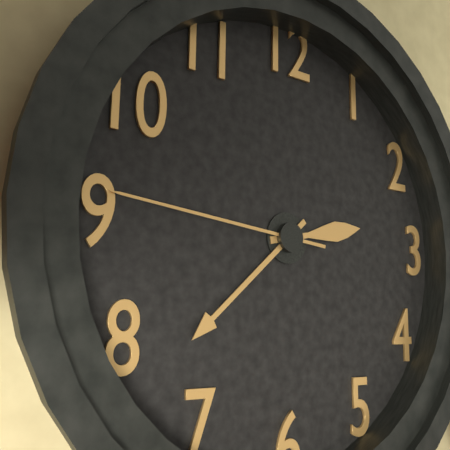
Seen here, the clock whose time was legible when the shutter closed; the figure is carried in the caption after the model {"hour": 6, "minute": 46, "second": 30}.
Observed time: {"hour": 2, "minute": 38, "second": 46}
